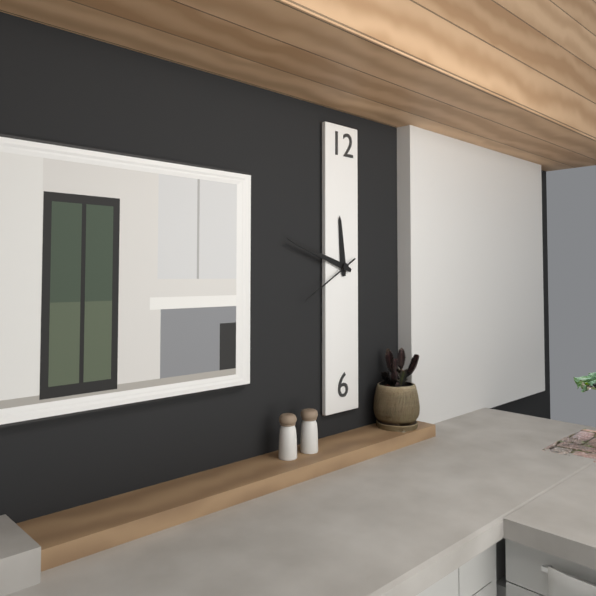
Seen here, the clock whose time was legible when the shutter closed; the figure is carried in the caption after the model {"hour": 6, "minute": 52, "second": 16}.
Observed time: {"hour": 11, "minute": 48, "second": 40}
